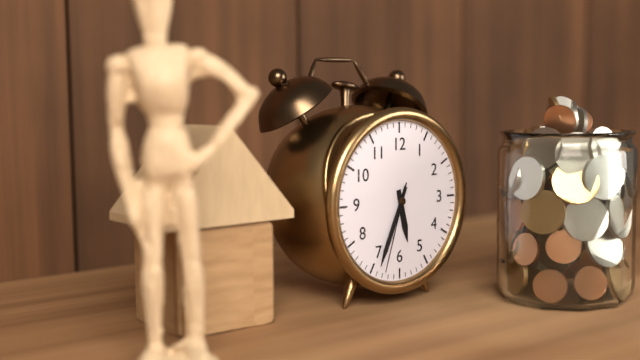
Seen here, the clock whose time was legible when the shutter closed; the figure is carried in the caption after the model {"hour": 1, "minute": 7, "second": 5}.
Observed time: {"hour": 5, "minute": 34, "second": 33}
